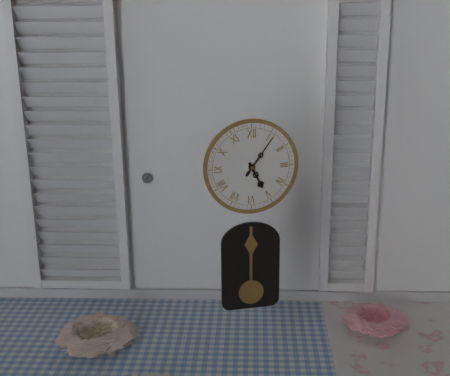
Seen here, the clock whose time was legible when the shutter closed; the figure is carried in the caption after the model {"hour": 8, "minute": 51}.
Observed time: {"hour": 5, "minute": 6}
